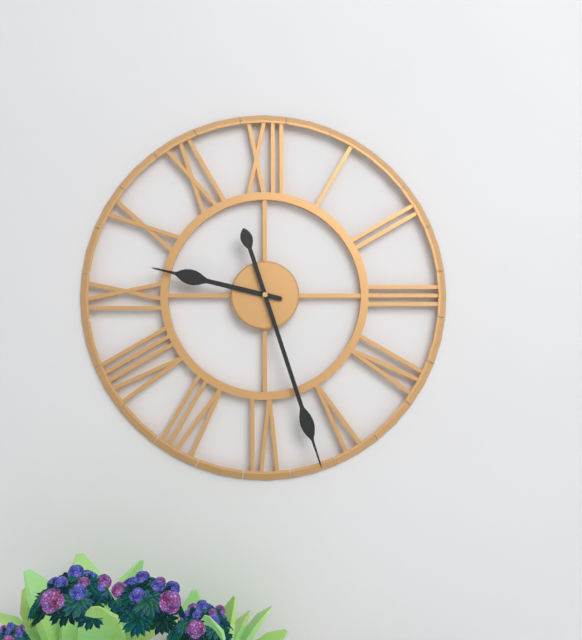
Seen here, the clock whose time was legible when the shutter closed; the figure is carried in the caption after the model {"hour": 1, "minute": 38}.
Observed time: {"hour": 9, "minute": 27}
